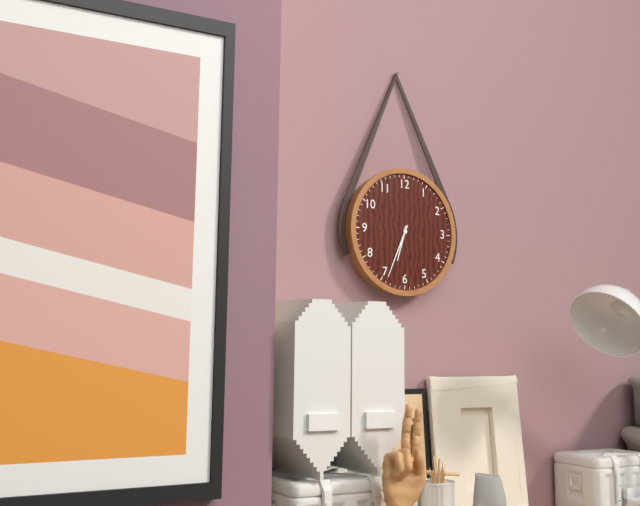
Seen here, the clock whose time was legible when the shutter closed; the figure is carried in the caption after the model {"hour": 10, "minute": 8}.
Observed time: {"hour": 6, "minute": 34}
